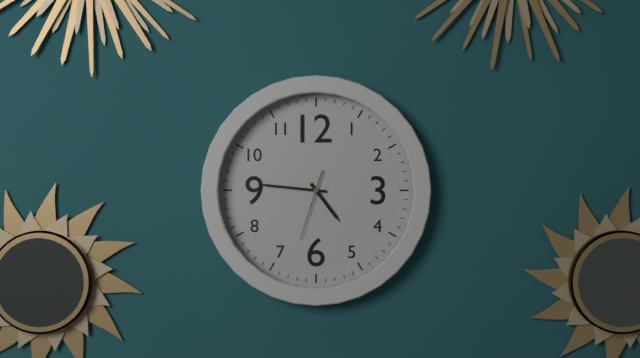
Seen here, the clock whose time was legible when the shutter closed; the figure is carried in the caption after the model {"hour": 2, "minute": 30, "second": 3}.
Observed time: {"hour": 4, "minute": 46, "second": 33}
